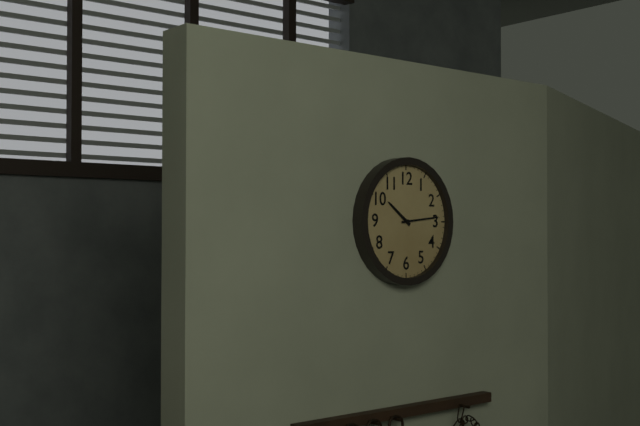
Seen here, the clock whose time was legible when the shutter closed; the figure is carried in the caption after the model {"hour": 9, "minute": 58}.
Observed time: {"hour": 10, "minute": 14}
